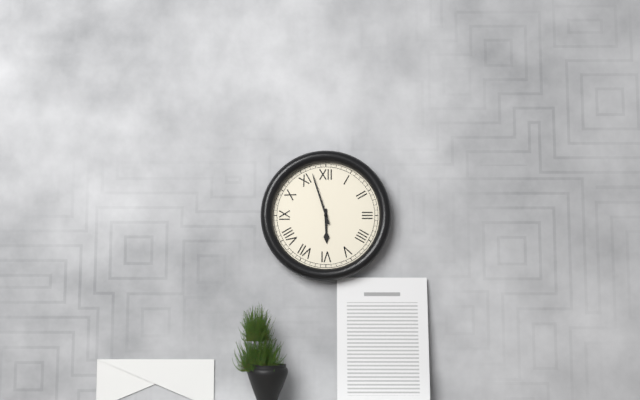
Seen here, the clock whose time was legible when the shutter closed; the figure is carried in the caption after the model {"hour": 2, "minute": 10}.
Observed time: {"hour": 5, "minute": 57}
